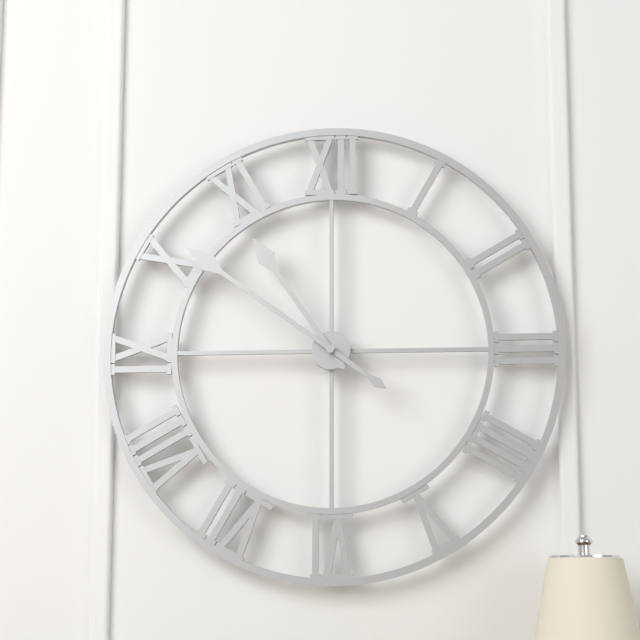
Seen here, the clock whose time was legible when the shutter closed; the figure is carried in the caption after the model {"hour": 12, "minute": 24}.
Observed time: {"hour": 10, "minute": 51}
